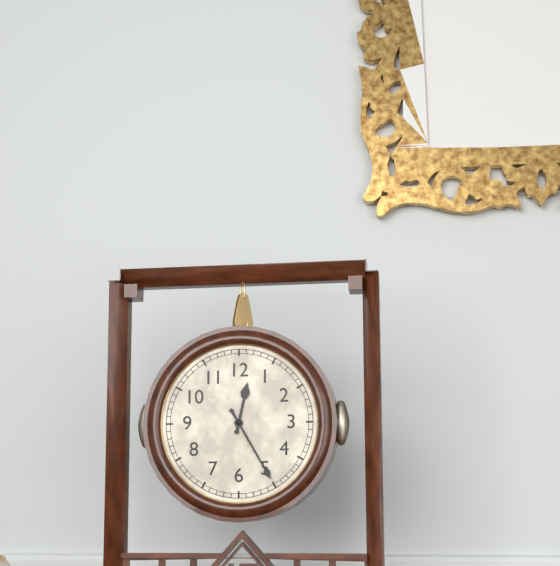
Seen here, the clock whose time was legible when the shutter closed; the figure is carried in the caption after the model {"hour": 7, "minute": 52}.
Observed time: {"hour": 12, "minute": 25}
